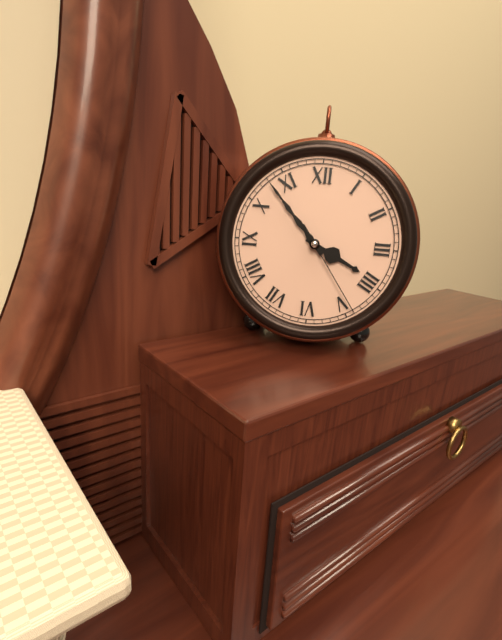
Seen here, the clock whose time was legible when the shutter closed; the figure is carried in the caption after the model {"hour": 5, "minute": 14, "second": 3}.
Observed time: {"hour": 3, "minute": 53, "second": 24}
